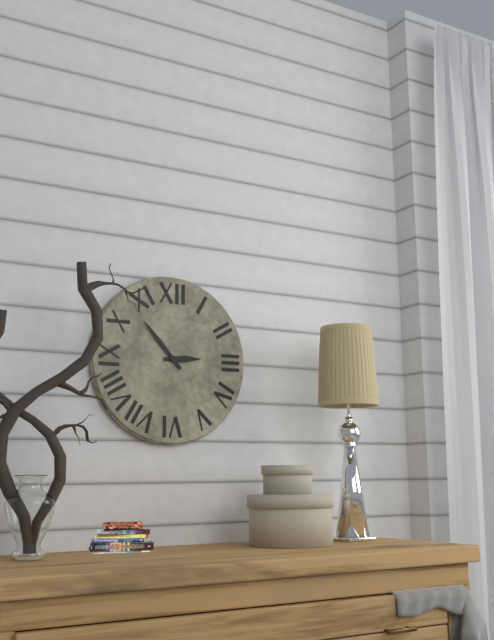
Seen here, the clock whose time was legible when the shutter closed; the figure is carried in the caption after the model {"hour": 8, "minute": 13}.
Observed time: {"hour": 2, "minute": 53}
